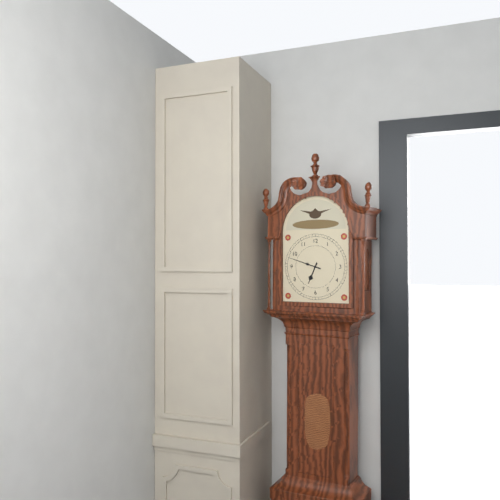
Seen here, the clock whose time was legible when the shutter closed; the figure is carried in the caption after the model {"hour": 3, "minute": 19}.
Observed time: {"hour": 6, "minute": 48}
